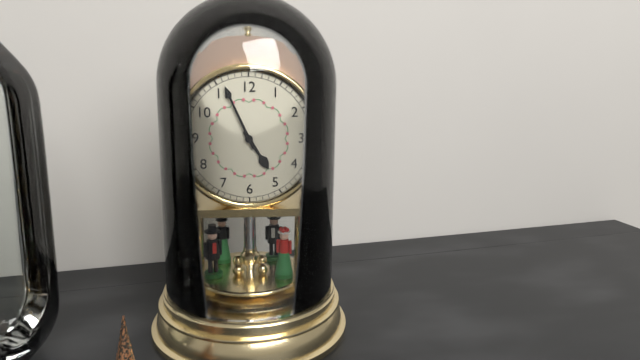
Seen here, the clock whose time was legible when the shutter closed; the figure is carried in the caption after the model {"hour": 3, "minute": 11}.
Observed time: {"hour": 4, "minute": 56}
